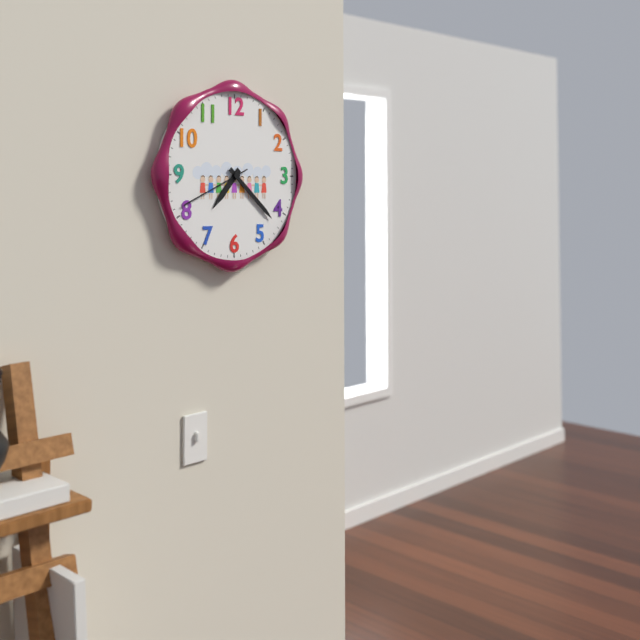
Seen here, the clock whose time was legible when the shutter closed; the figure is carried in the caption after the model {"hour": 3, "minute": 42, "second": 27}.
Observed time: {"hour": 7, "minute": 22, "second": 41}
